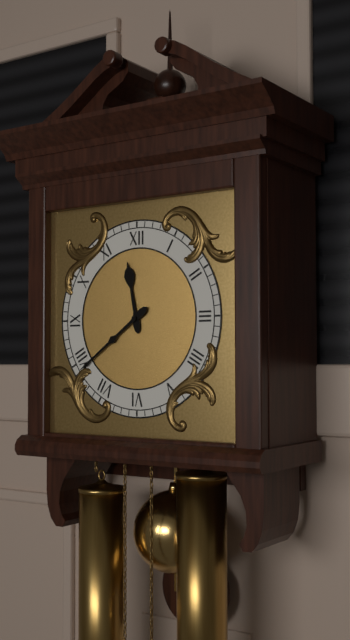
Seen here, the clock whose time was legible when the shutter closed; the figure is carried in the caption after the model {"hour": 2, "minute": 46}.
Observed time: {"hour": 11, "minute": 39}
